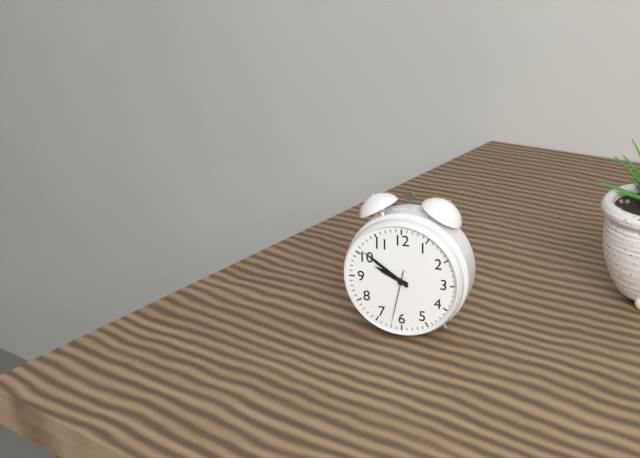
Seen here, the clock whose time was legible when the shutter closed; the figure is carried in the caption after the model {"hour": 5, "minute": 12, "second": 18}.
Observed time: {"hour": 9, "minute": 51, "second": 32}
